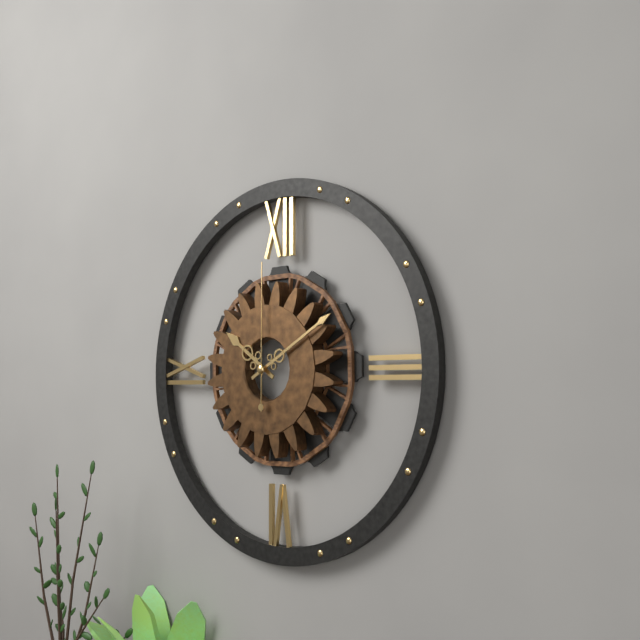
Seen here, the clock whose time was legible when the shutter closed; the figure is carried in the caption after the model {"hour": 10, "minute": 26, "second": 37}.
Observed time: {"hour": 10, "minute": 10, "second": 0}
